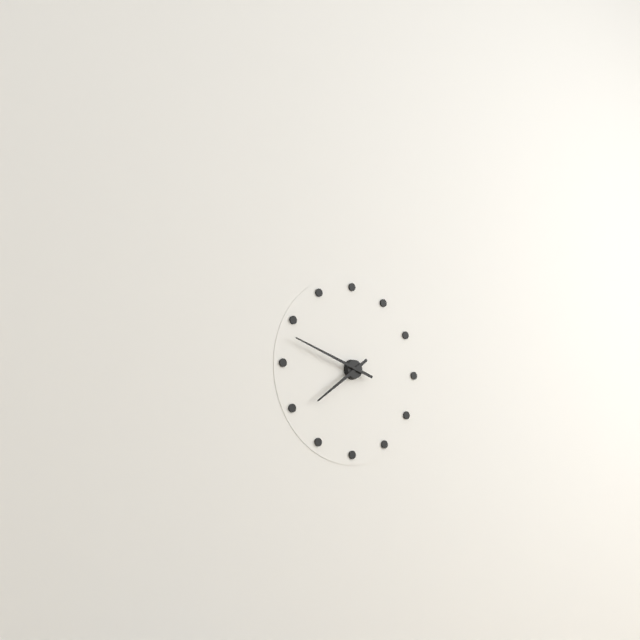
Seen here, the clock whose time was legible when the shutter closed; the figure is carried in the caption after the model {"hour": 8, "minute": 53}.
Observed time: {"hour": 7, "minute": 48}
